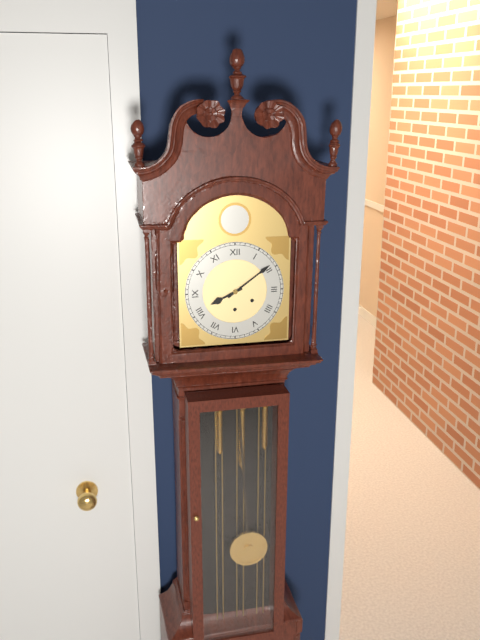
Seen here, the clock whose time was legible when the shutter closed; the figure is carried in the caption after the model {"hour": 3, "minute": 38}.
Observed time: {"hour": 8, "minute": 9}
